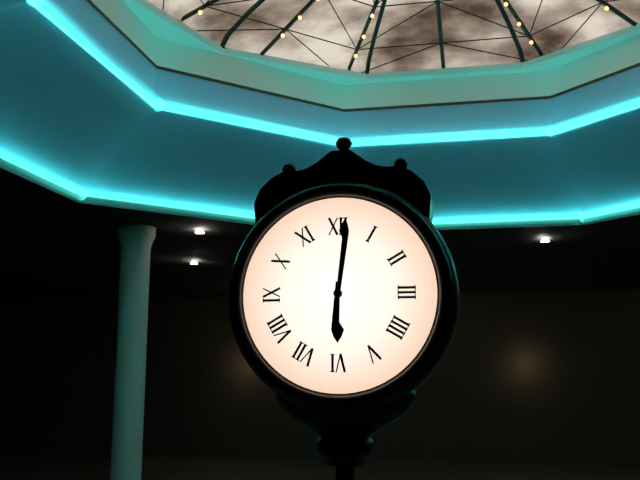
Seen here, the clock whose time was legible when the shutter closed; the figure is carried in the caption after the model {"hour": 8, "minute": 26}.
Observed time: {"hour": 6, "minute": 1}
